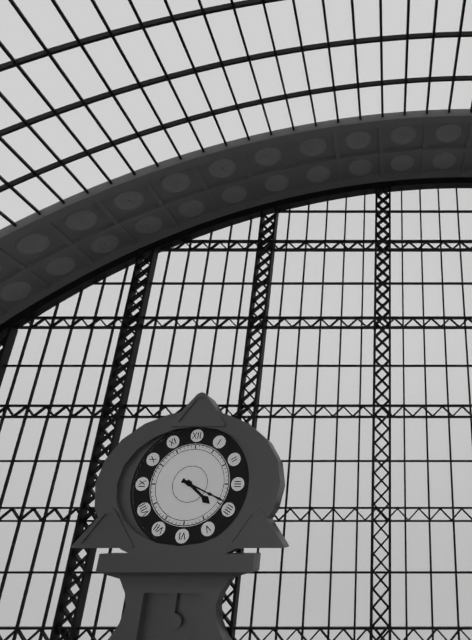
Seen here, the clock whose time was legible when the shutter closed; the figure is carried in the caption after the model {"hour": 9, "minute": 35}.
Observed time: {"hour": 4, "minute": 19}
